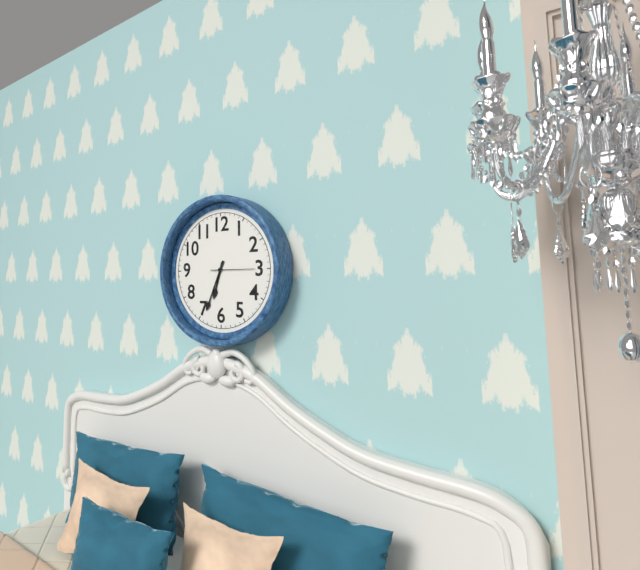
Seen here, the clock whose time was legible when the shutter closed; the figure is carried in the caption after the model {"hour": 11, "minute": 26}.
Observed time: {"hour": 6, "minute": 34}
